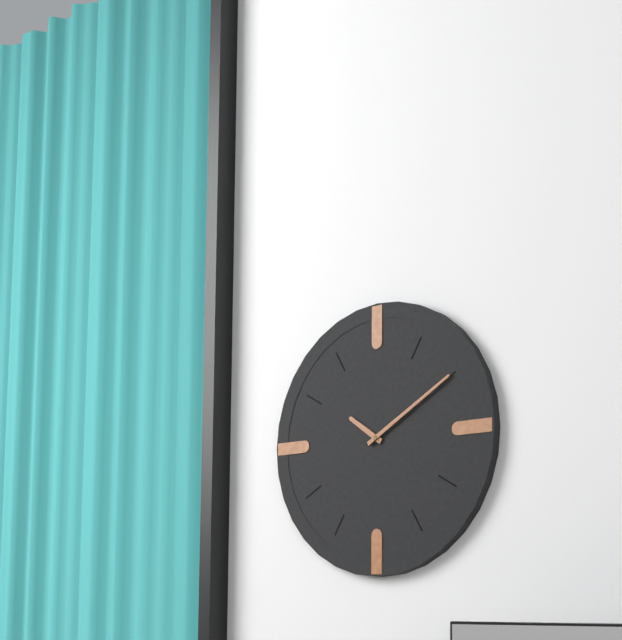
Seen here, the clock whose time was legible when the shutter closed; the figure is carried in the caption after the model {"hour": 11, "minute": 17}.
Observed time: {"hour": 10, "minute": 10}
